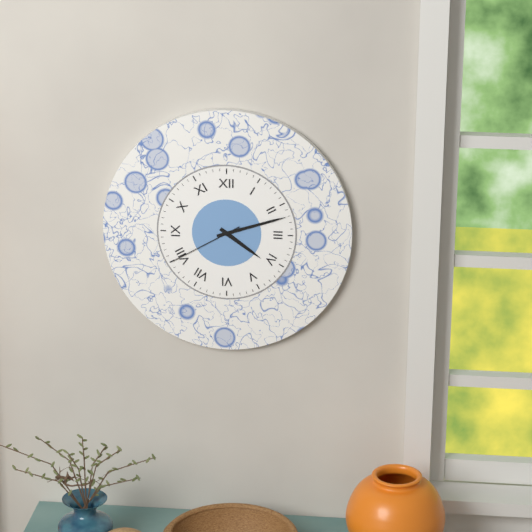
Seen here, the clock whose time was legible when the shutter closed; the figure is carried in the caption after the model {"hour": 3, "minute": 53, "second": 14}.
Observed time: {"hour": 4, "minute": 12, "second": 40}
